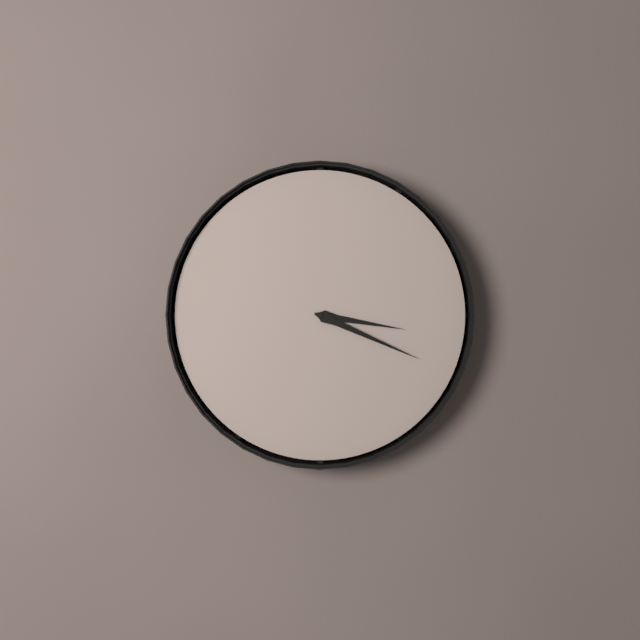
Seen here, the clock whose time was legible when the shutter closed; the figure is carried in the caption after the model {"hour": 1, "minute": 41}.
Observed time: {"hour": 3, "minute": 19}
